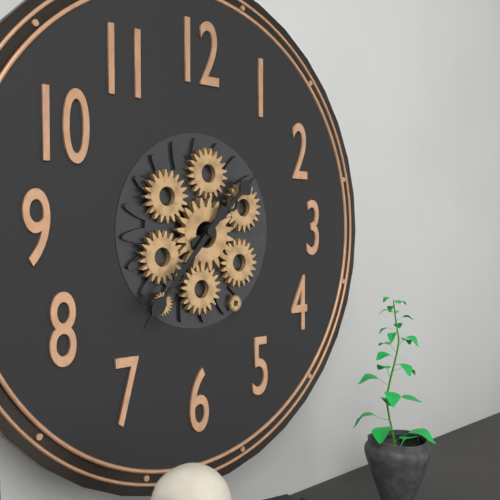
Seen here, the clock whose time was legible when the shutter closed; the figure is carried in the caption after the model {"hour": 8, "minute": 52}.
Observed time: {"hour": 1, "minute": 37}
